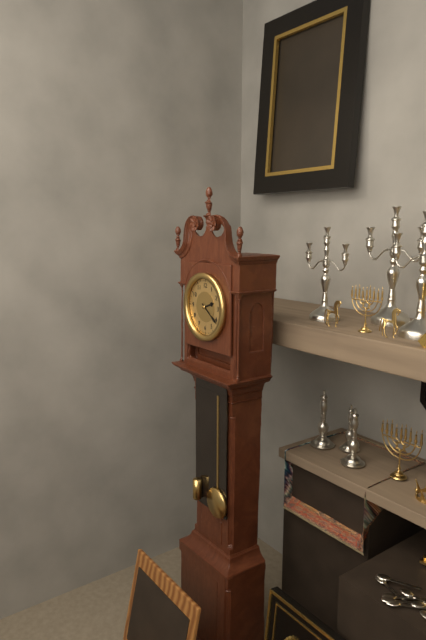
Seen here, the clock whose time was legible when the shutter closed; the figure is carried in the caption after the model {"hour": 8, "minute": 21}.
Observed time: {"hour": 2, "minute": 21}
